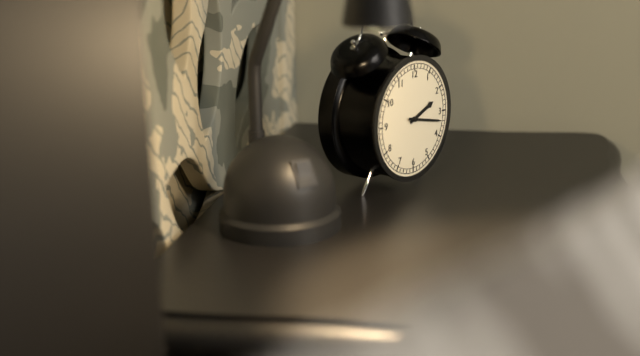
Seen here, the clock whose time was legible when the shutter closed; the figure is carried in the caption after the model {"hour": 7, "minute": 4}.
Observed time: {"hour": 2, "minute": 17}
